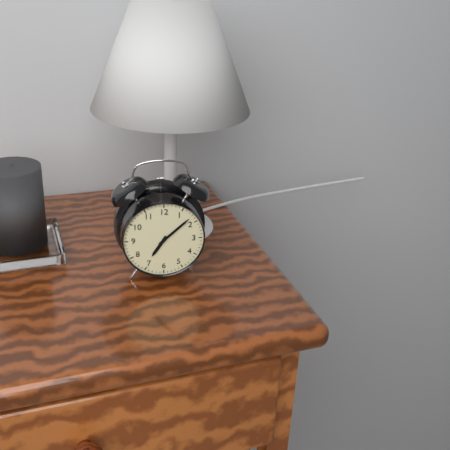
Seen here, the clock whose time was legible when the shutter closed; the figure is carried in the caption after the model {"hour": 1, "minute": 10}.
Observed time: {"hour": 7, "minute": 8}
